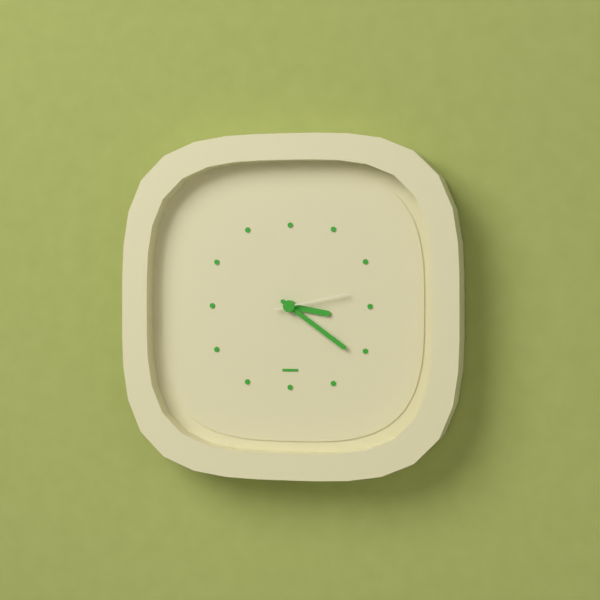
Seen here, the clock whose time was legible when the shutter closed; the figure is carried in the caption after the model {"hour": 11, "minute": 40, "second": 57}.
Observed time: {"hour": 3, "minute": 21, "second": 13}
